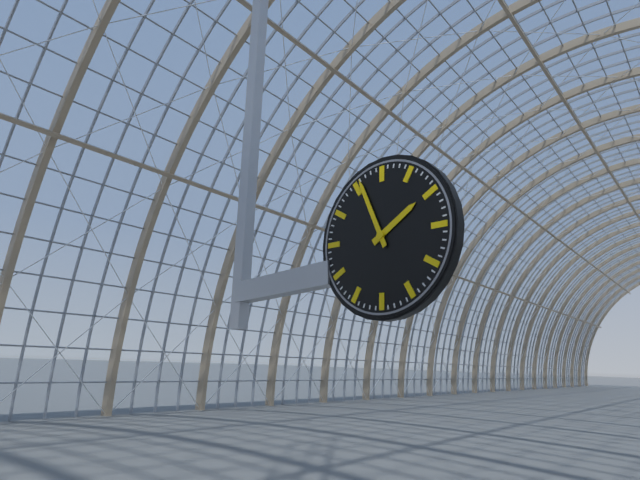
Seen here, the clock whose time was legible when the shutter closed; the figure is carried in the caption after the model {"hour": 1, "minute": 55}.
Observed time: {"hour": 1, "minute": 56}
